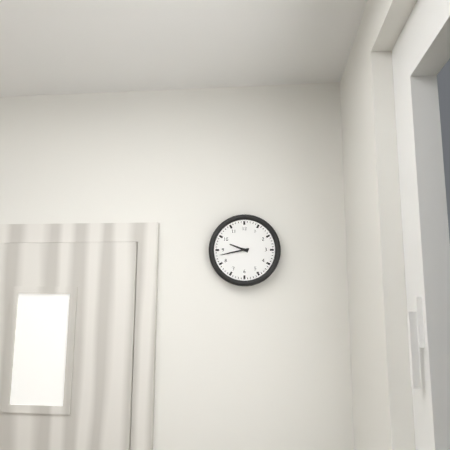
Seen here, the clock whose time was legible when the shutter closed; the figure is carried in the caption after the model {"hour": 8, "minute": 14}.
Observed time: {"hour": 9, "minute": 43}
